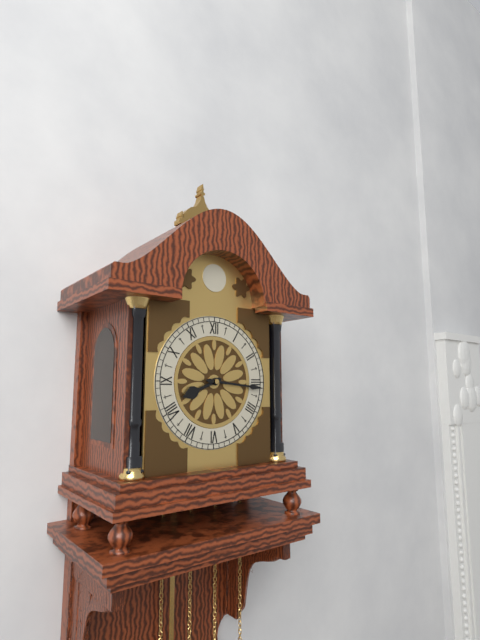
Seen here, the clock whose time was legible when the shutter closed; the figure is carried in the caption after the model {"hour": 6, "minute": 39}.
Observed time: {"hour": 8, "minute": 16}
